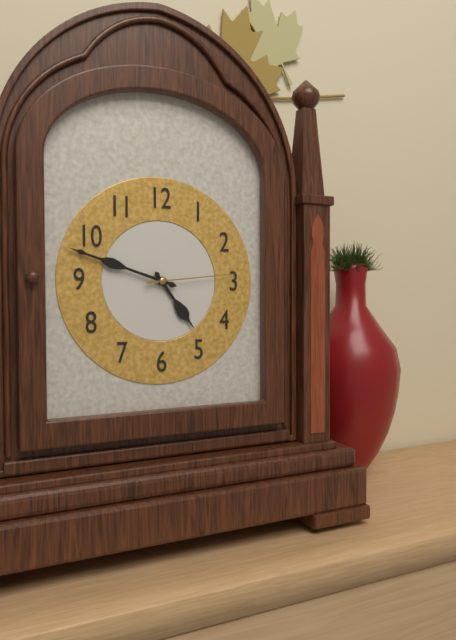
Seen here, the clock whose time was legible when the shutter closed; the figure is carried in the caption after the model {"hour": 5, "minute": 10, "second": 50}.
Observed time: {"hour": 4, "minute": 48, "second": 14}
